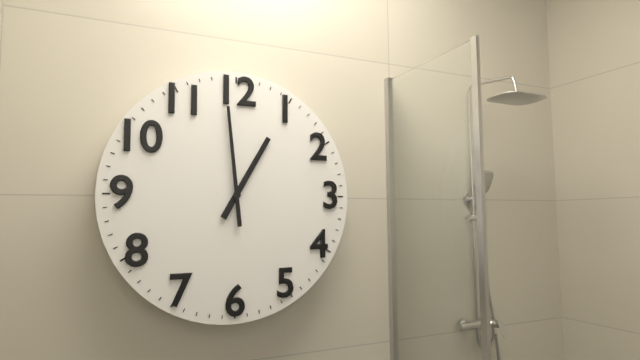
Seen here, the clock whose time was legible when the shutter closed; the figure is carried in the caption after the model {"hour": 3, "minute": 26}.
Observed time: {"hour": 12, "minute": 59}
